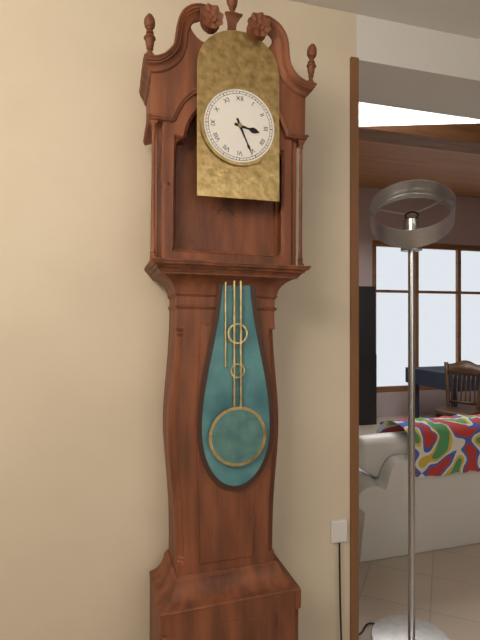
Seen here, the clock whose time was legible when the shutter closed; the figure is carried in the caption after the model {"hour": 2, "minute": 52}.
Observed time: {"hour": 3, "minute": 26}
